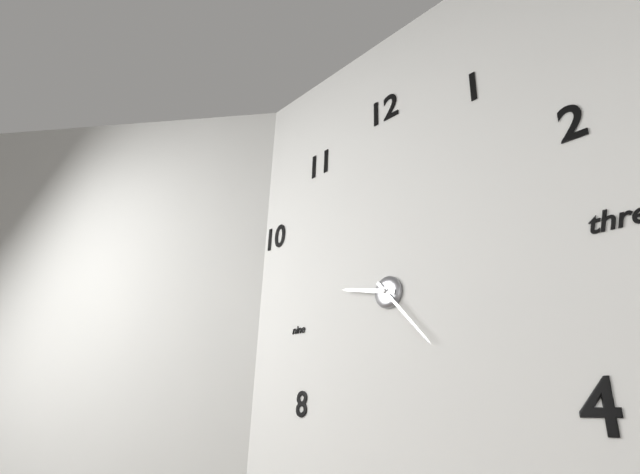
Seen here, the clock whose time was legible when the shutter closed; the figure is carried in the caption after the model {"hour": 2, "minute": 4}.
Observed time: {"hour": 9, "minute": 23}
